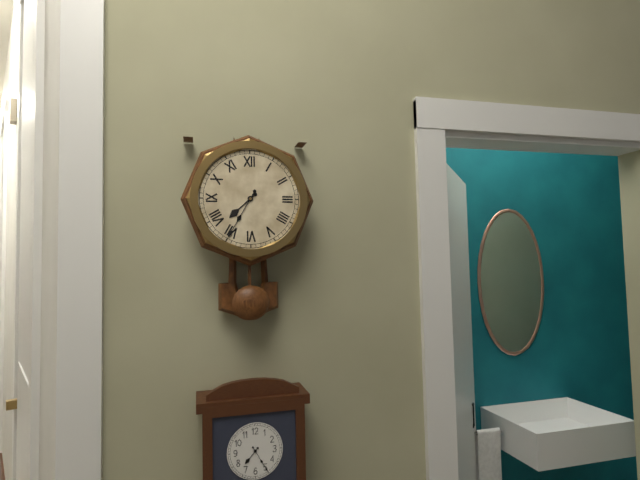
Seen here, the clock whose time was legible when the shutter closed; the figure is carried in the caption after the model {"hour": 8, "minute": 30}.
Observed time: {"hour": 7, "minute": 35}
